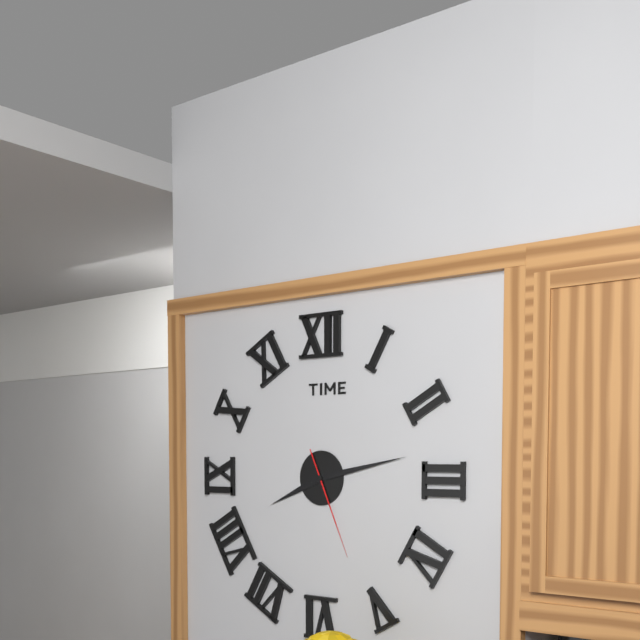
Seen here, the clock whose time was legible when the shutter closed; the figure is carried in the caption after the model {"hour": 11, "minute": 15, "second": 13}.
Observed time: {"hour": 8, "minute": 13, "second": 26}
